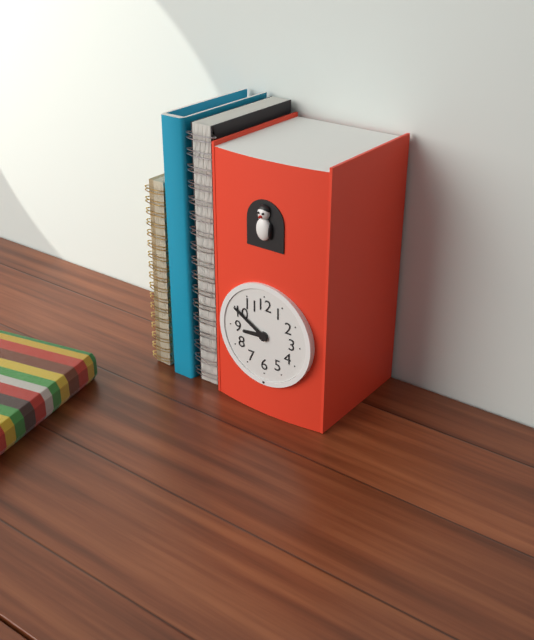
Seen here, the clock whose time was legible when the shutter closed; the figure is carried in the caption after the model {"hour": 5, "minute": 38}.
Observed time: {"hour": 8, "minute": 50}
